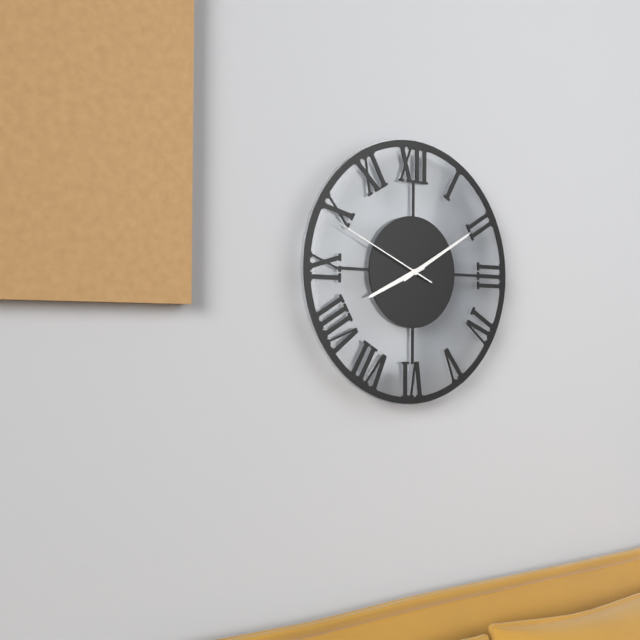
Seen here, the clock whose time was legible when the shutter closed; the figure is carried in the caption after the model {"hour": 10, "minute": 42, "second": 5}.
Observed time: {"hour": 8, "minute": 10, "second": 49}
